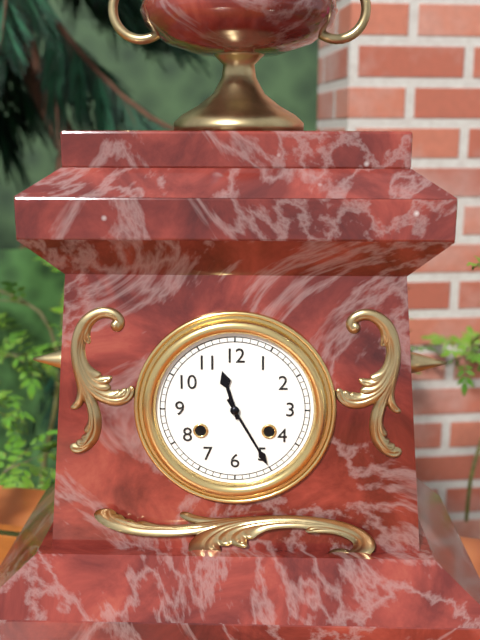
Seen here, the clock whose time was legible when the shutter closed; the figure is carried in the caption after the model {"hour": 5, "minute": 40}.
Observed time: {"hour": 11, "minute": 25}
